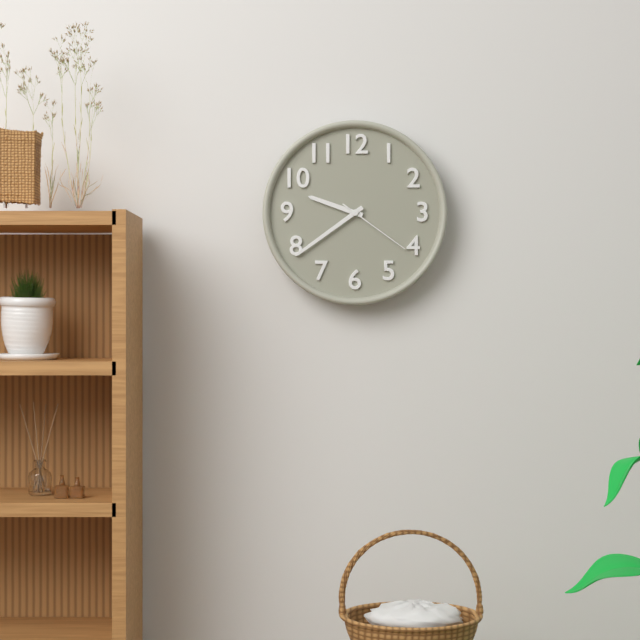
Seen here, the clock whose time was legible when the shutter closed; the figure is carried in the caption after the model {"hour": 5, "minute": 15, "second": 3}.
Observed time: {"hour": 9, "minute": 39, "second": 21}
